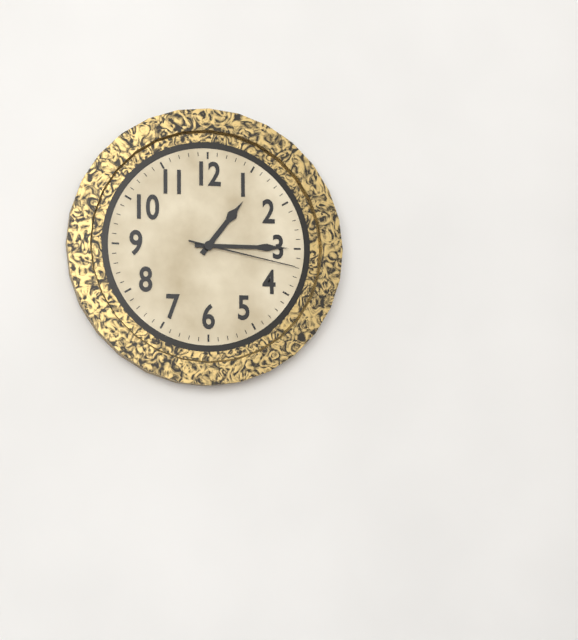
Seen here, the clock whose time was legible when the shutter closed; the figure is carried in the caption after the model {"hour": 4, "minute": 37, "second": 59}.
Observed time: {"hour": 1, "minute": 15, "second": 17}
